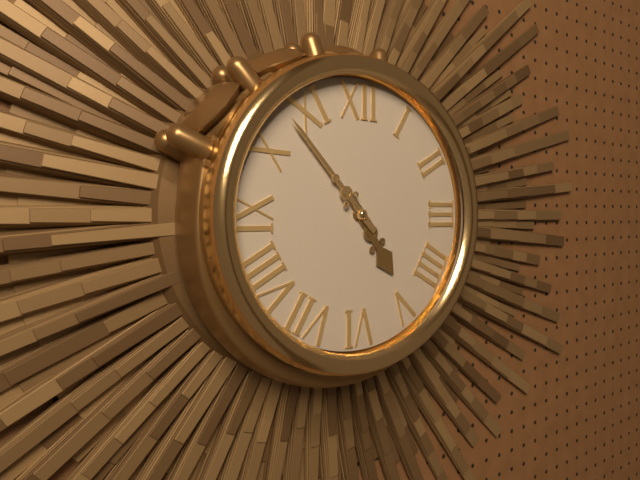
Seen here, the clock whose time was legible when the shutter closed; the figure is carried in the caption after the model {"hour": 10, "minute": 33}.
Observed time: {"hour": 4, "minute": 53}
